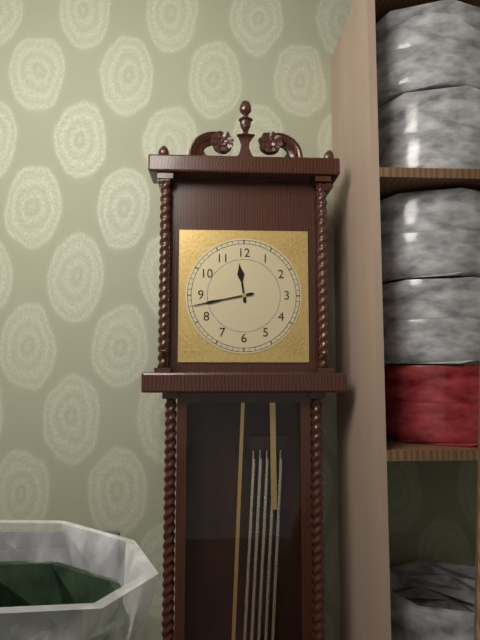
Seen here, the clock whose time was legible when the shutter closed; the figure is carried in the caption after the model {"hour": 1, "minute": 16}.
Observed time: {"hour": 11, "minute": 43}
